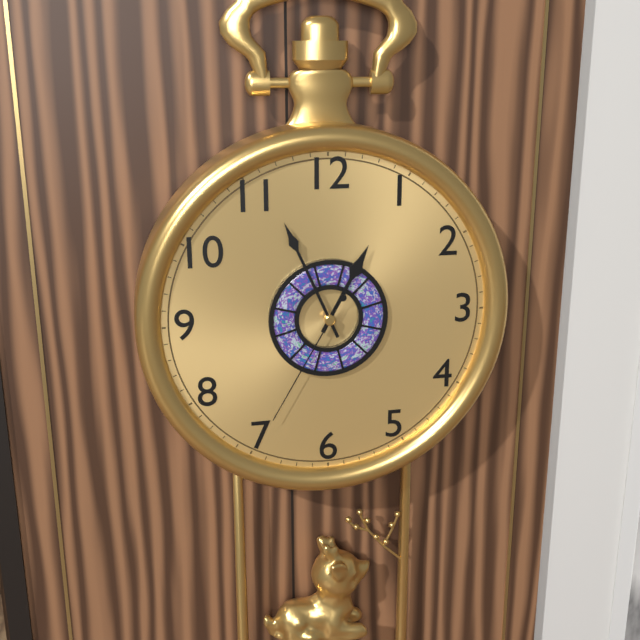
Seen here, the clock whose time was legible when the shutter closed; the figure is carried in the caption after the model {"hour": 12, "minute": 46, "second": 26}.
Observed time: {"hour": 12, "minute": 56, "second": 35}
